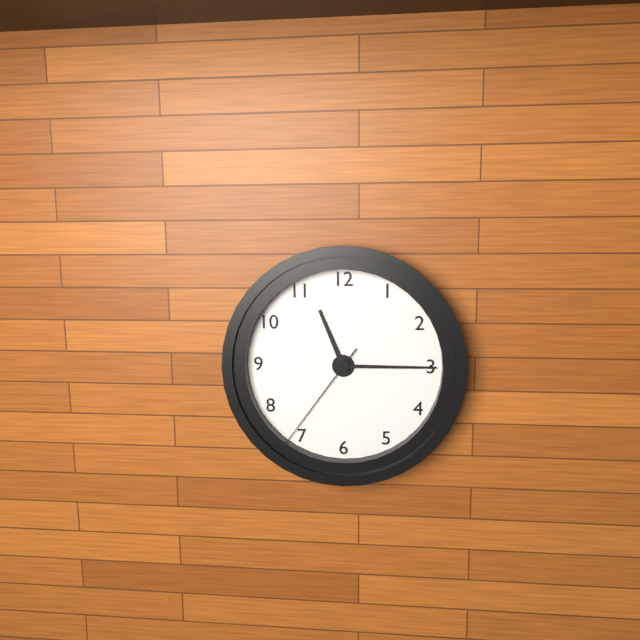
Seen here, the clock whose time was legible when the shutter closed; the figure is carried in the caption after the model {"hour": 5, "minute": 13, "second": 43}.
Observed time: {"hour": 11, "minute": 15, "second": 36}
